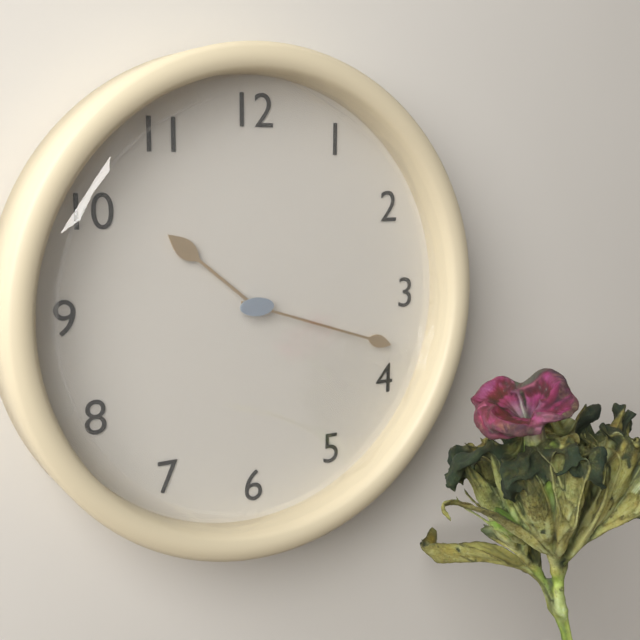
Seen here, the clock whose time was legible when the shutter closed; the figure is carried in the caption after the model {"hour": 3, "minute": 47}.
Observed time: {"hour": 10, "minute": 18}
